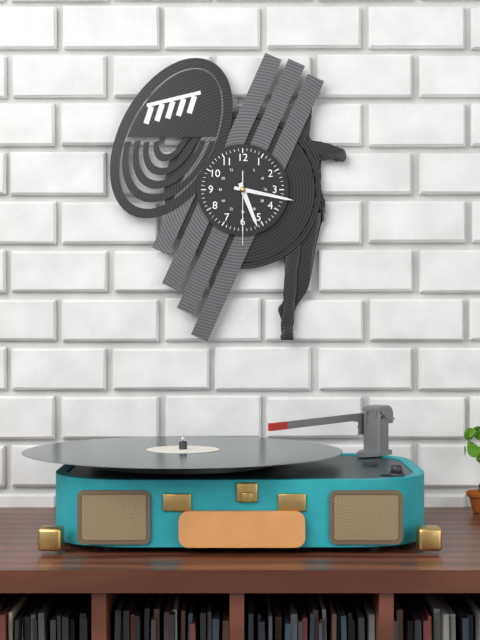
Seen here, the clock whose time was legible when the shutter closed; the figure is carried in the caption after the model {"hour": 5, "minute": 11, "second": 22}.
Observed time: {"hour": 5, "minute": 17, "second": 30}
